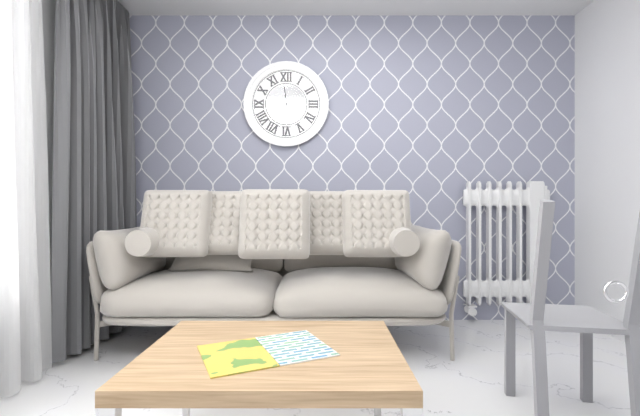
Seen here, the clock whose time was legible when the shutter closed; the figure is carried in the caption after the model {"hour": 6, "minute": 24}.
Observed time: {"hour": 5, "minute": 59}
